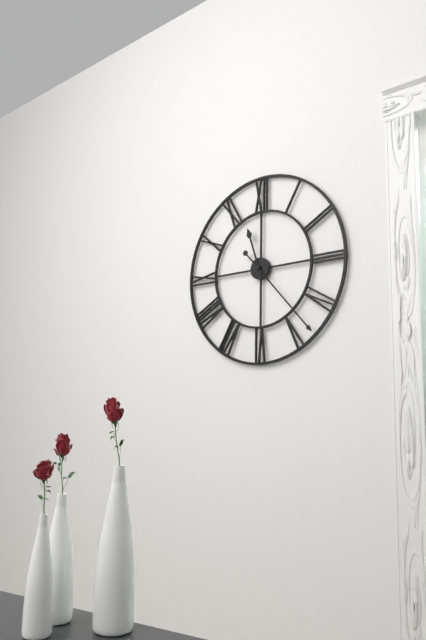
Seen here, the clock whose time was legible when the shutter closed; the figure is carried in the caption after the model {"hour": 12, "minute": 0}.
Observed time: {"hour": 11, "minute": 23}
